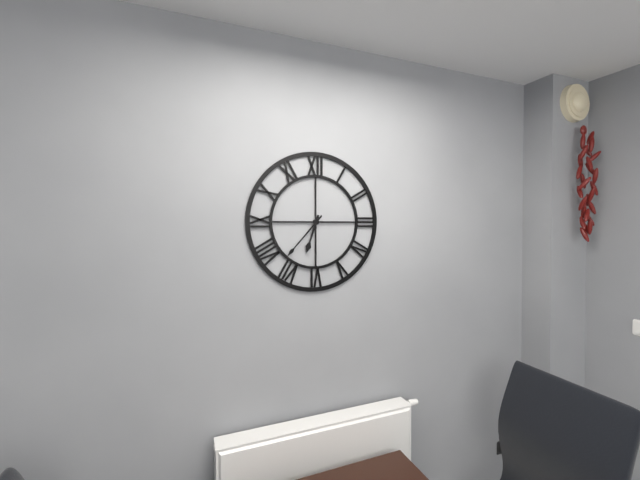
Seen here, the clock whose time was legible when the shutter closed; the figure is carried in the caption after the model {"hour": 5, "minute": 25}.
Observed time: {"hour": 6, "minute": 37}
